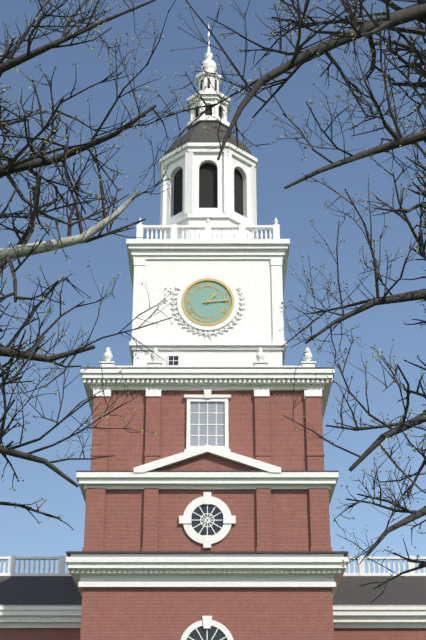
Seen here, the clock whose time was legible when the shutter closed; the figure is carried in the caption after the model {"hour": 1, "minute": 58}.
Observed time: {"hour": 1, "minute": 14}
